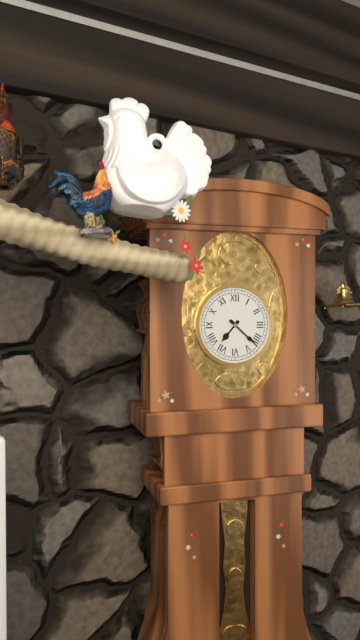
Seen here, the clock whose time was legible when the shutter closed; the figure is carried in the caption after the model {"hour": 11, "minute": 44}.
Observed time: {"hour": 7, "minute": 22}
